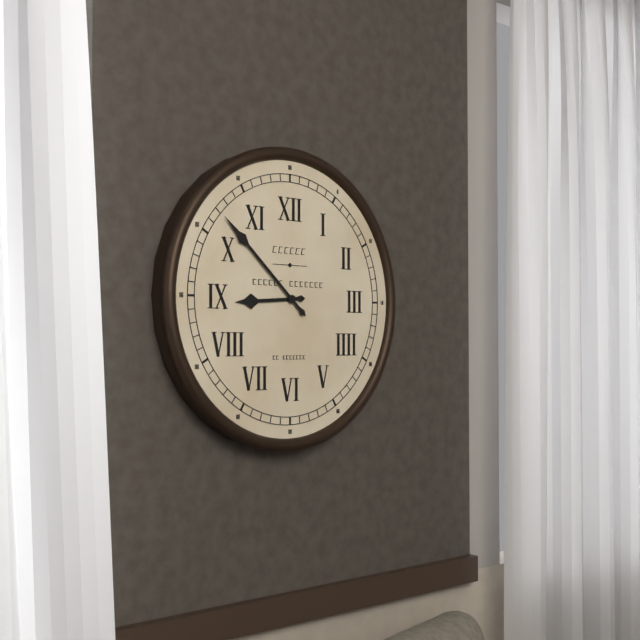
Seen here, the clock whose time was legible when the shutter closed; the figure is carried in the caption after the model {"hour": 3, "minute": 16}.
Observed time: {"hour": 8, "minute": 52}
